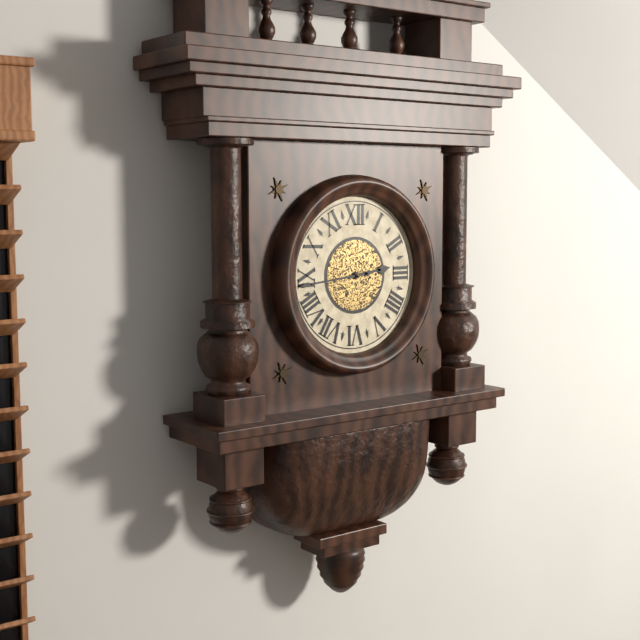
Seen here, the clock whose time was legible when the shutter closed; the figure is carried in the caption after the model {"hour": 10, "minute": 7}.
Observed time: {"hour": 2, "minute": 44}
